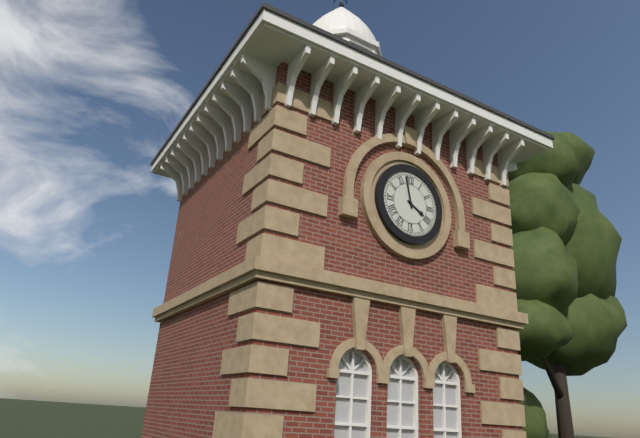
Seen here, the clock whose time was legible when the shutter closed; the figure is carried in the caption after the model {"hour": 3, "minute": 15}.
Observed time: {"hour": 3, "minute": 58}
